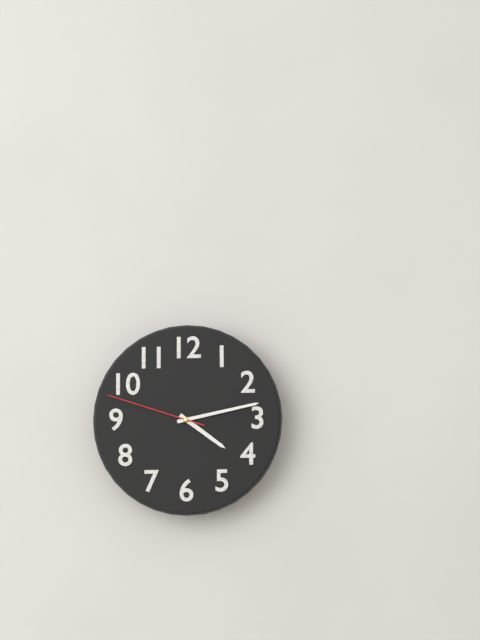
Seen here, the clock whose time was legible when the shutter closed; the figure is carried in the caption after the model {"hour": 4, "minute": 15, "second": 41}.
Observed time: {"hour": 4, "minute": 13, "second": 48}
